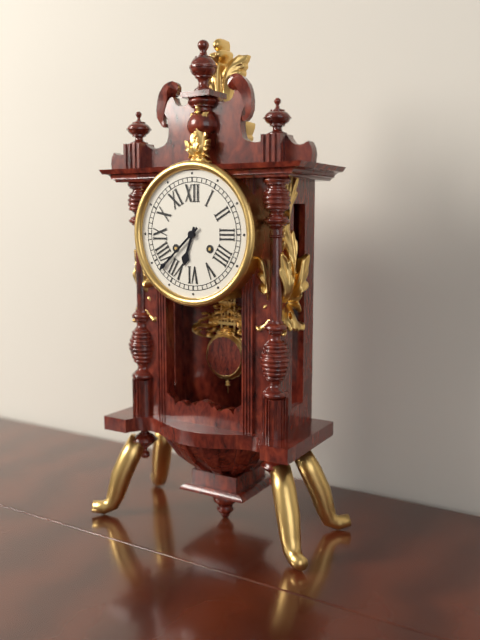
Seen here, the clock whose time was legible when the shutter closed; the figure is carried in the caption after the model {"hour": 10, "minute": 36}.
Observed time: {"hour": 6, "minute": 38}
